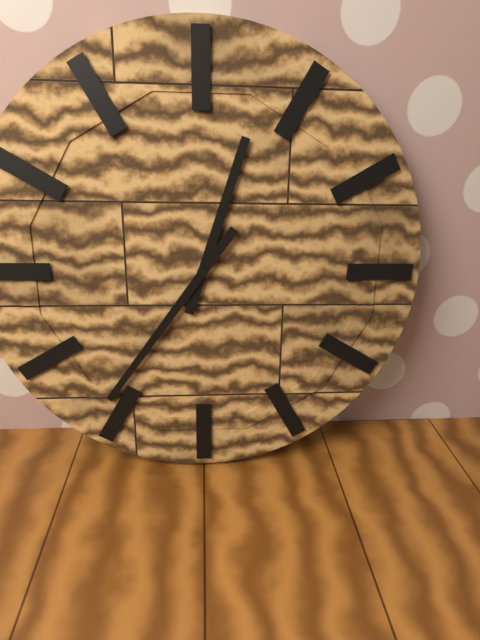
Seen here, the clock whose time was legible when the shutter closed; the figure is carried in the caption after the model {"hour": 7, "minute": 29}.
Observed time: {"hour": 12, "minute": 36}
